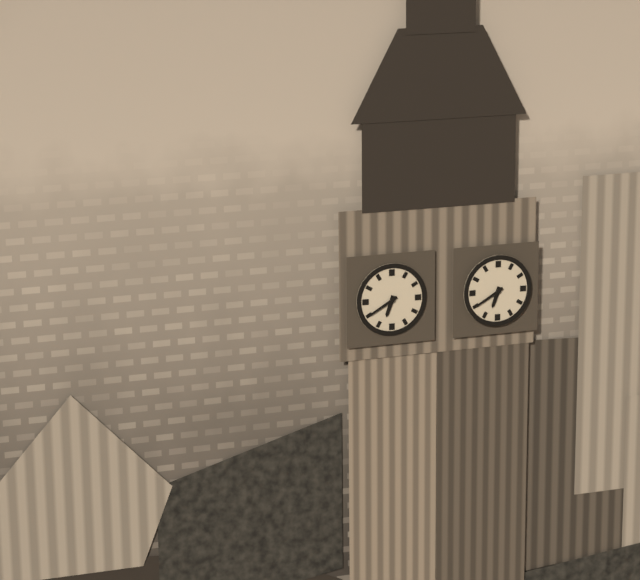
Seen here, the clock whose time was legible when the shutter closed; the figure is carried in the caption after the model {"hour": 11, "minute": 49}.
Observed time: {"hour": 6, "minute": 40}
